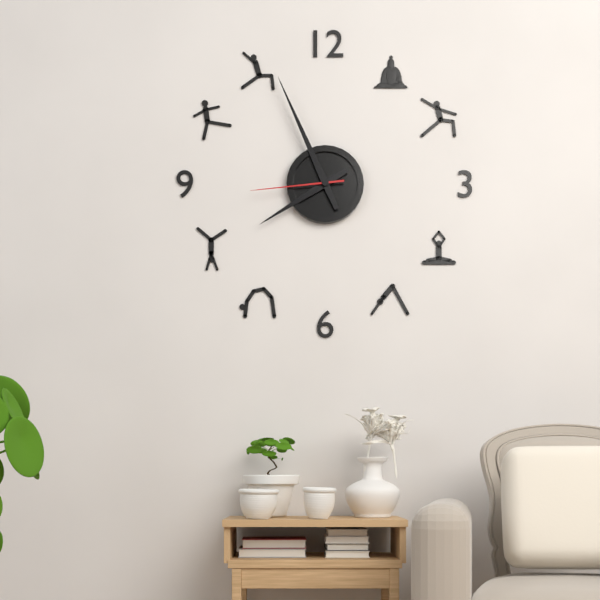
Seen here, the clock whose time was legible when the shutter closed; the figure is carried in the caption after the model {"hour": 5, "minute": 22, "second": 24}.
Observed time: {"hour": 7, "minute": 56, "second": 44}
